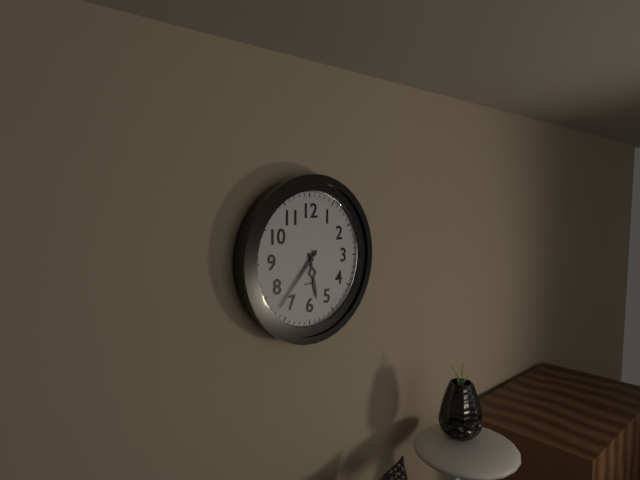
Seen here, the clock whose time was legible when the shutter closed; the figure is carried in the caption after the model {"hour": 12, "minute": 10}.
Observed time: {"hour": 5, "minute": 37}
